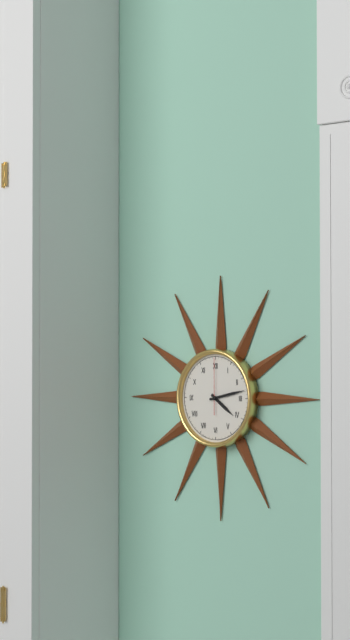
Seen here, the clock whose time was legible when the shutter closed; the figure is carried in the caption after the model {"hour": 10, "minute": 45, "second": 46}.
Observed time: {"hour": 4, "minute": 13, "second": 0}
